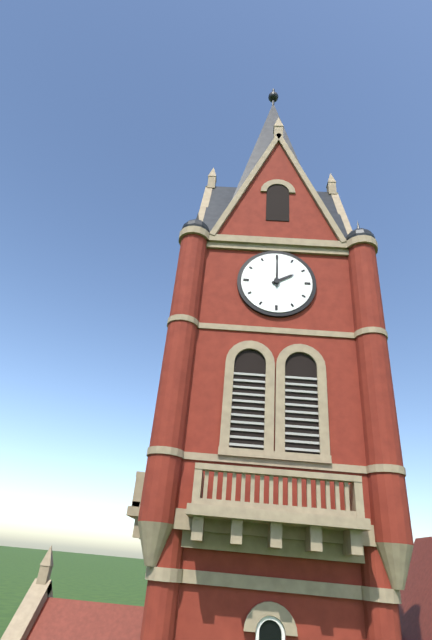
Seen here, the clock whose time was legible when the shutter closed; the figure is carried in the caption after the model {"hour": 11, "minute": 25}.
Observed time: {"hour": 2, "minute": 0}
